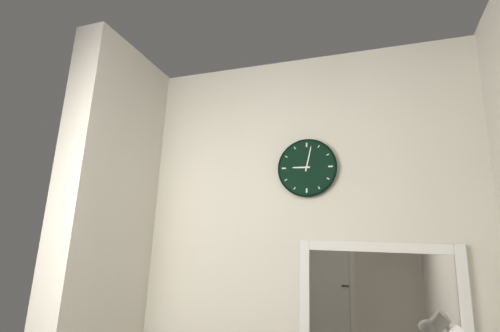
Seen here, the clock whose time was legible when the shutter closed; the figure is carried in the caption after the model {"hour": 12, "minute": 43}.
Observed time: {"hour": 9, "minute": 2}
